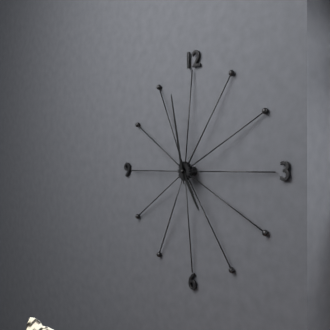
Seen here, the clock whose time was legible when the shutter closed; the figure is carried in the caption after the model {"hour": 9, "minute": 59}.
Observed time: {"hour": 4, "minute": 58}
